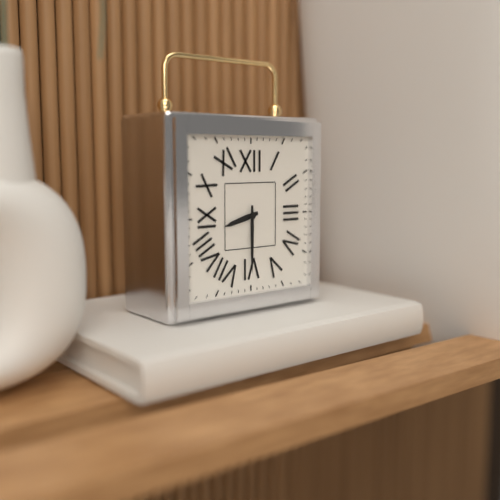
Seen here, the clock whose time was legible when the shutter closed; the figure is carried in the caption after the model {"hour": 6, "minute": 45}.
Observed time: {"hour": 8, "minute": 30}
